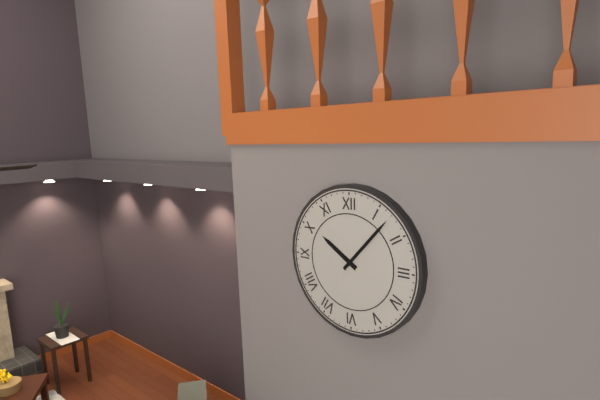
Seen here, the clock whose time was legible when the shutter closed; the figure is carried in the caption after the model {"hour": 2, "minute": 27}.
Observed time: {"hour": 10, "minute": 7}
